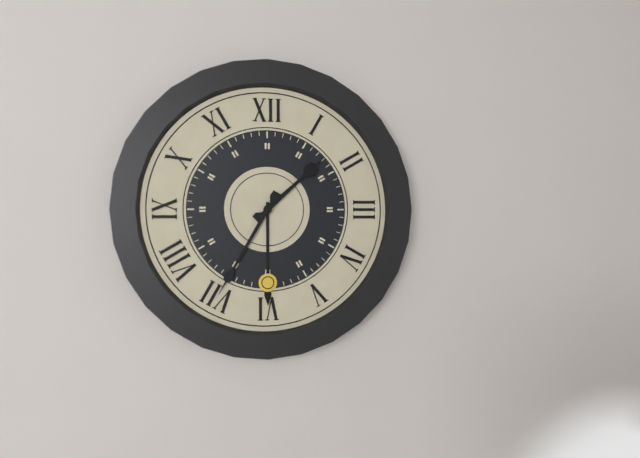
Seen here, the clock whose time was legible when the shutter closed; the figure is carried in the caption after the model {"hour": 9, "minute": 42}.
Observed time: {"hour": 1, "minute": 35}
